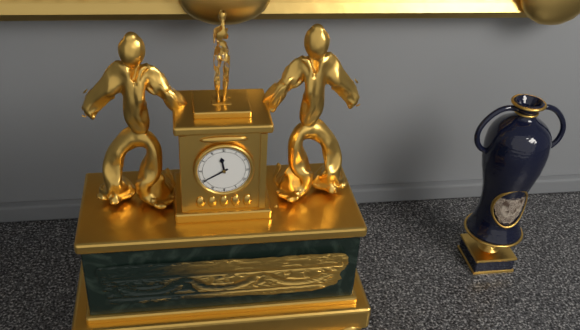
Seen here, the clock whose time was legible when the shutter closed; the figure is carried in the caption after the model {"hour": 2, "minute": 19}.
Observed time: {"hour": 11, "minute": 40}
